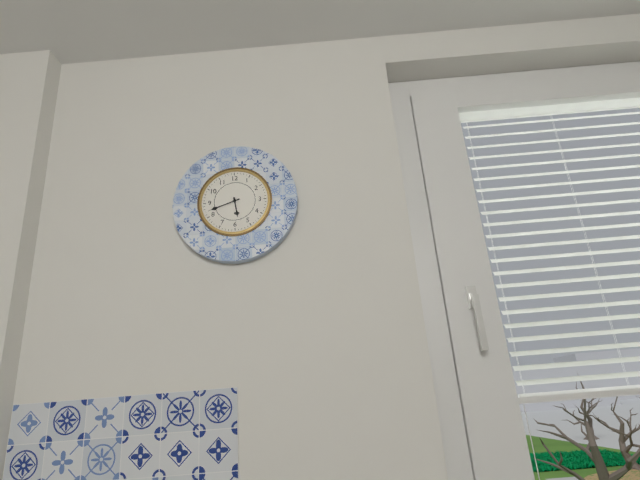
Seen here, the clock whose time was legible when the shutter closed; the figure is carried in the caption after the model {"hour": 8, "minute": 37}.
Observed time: {"hour": 5, "minute": 42}
